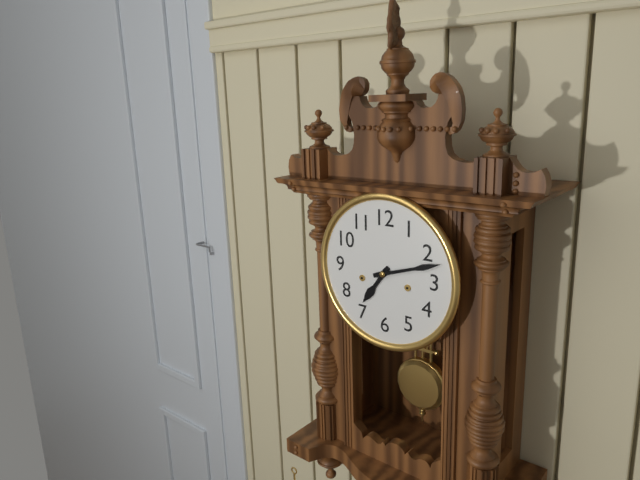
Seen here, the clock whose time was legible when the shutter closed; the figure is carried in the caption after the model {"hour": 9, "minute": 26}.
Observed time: {"hour": 7, "minute": 12}
